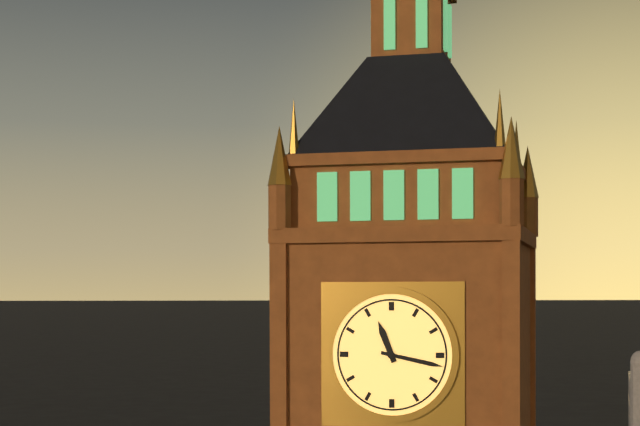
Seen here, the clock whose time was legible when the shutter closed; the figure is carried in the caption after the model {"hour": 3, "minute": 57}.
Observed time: {"hour": 11, "minute": 17}
